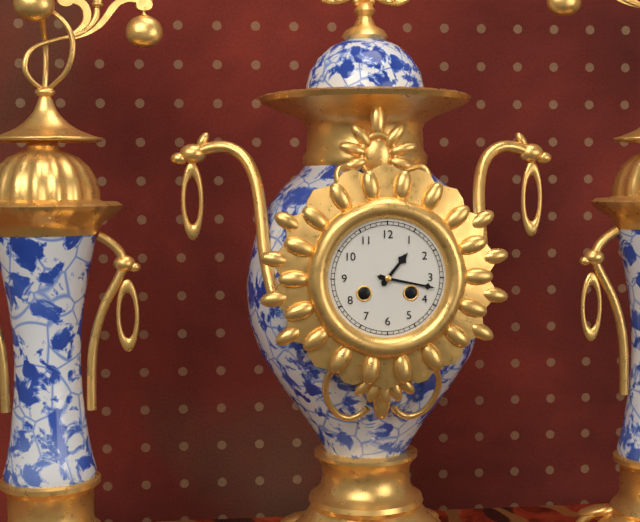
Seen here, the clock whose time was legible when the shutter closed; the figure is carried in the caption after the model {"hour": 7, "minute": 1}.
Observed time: {"hour": 1, "minute": 17}
